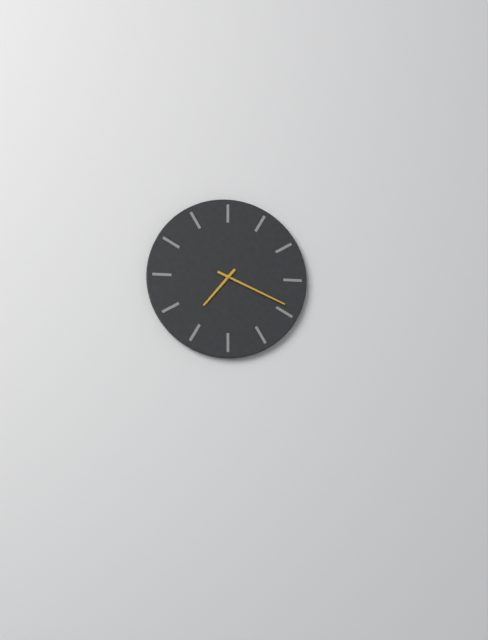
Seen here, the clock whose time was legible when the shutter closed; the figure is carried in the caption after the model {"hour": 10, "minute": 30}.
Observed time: {"hour": 7, "minute": 19}
